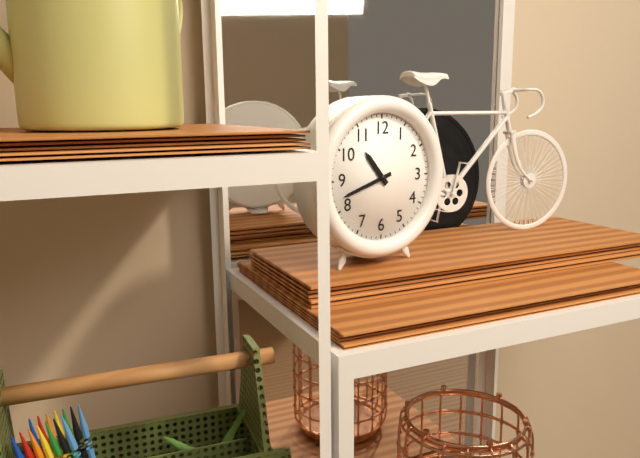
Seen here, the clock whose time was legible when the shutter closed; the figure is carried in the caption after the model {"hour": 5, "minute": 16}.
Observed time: {"hour": 10, "minute": 42}
